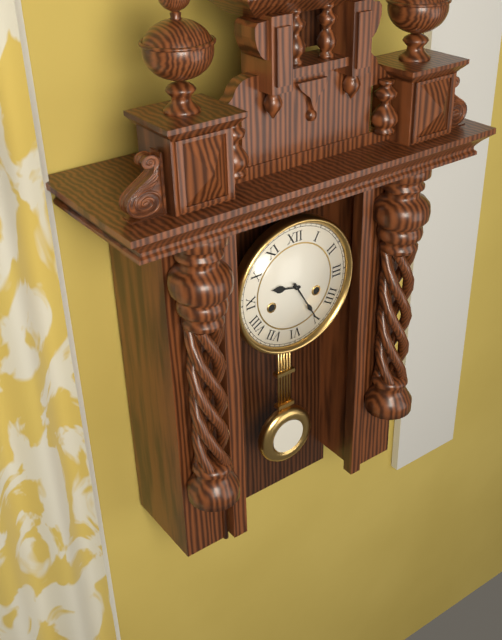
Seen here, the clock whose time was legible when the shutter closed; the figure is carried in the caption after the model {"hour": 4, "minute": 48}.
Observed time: {"hour": 9, "minute": 25}
